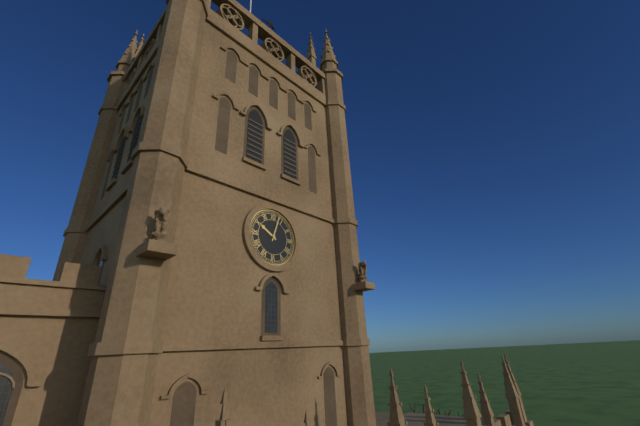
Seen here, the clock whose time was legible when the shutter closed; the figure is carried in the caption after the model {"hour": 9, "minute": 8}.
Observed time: {"hour": 10, "minute": 3}
